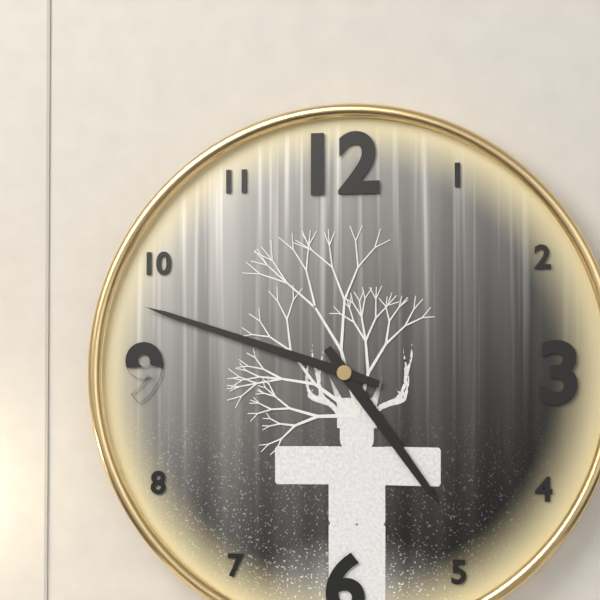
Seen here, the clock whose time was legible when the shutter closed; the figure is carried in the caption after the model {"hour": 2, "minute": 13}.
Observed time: {"hour": 4, "minute": 48}
